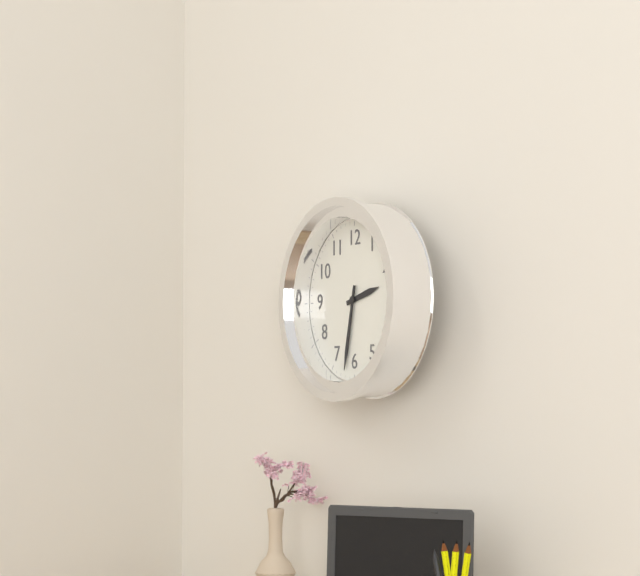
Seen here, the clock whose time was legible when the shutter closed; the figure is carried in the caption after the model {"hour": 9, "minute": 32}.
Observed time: {"hour": 2, "minute": 32}
